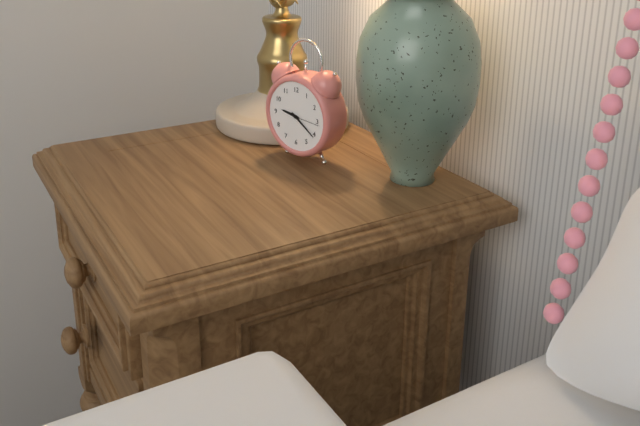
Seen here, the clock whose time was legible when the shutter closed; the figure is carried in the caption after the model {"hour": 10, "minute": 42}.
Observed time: {"hour": 9, "minute": 21}
